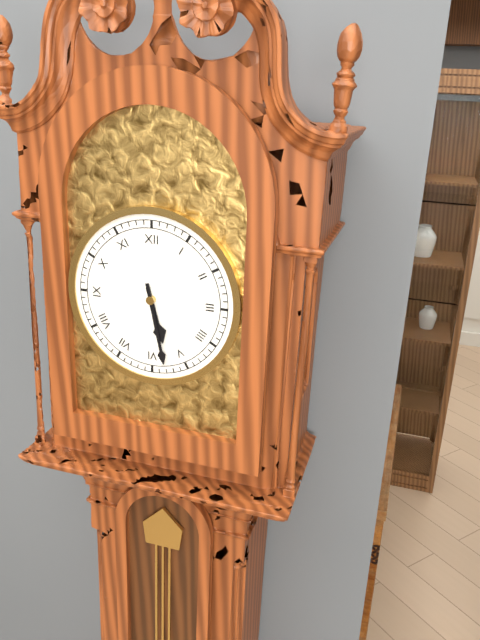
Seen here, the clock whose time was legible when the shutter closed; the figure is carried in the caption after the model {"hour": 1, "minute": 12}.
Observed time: {"hour": 5, "minute": 28}
